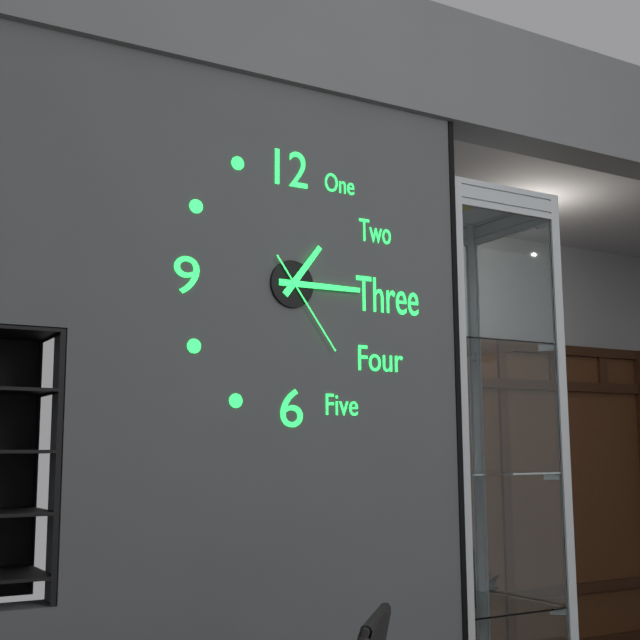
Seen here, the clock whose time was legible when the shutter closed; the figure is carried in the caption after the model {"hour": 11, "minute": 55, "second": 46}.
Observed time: {"hour": 1, "minute": 15, "second": 24}
